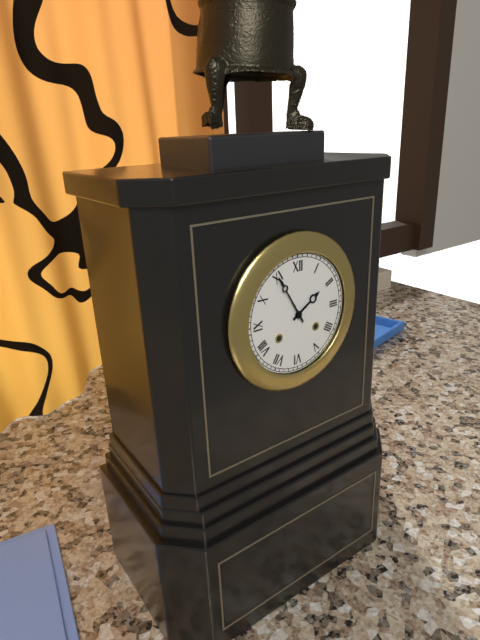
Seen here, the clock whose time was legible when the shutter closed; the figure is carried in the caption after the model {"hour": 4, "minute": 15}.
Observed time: {"hour": 1, "minute": 55}
